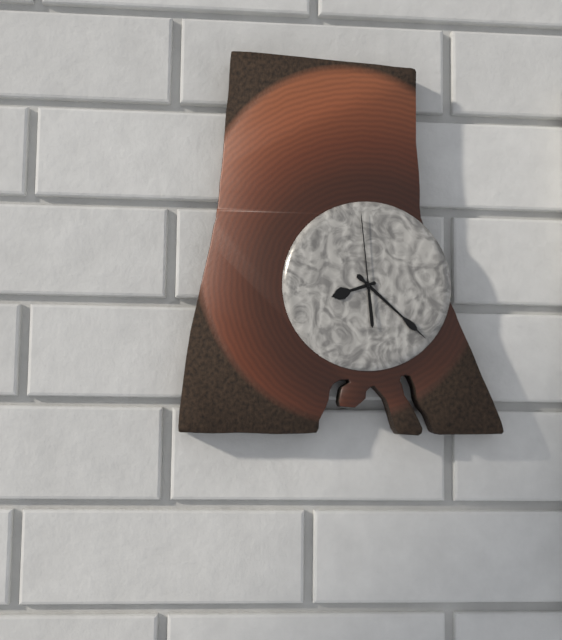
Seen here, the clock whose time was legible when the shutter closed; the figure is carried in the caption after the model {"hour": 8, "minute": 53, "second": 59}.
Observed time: {"hour": 8, "minute": 22, "second": 59}
